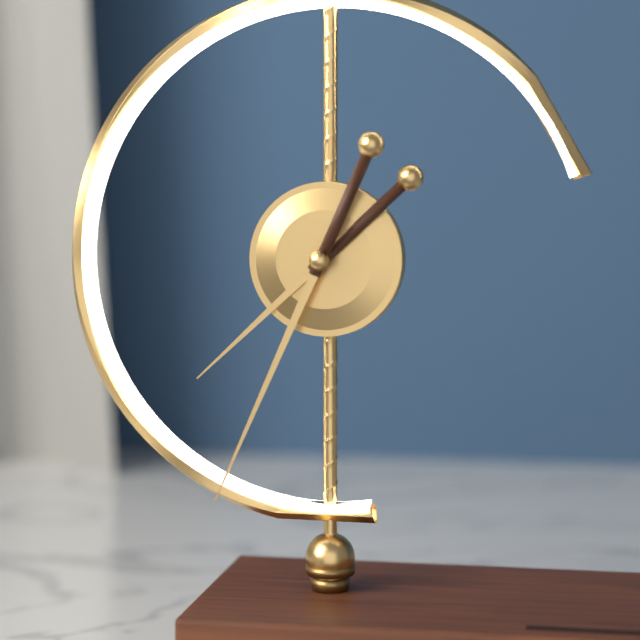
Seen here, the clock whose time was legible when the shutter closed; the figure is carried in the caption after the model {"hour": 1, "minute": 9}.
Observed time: {"hour": 7, "minute": 34}
